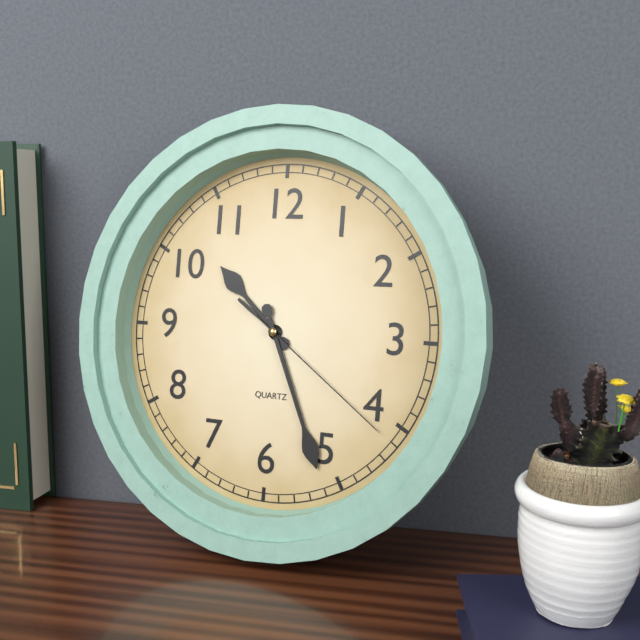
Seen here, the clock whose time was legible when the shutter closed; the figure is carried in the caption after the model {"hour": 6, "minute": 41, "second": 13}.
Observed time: {"hour": 10, "minute": 26, "second": 21}
